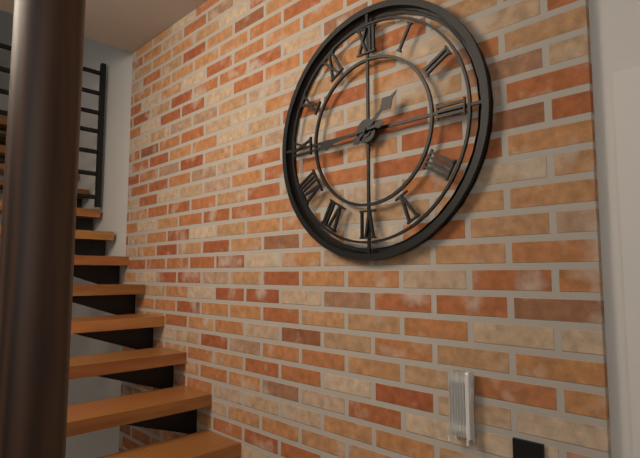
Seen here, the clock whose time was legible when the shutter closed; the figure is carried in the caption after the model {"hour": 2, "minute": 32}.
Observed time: {"hour": 1, "minute": 44}
